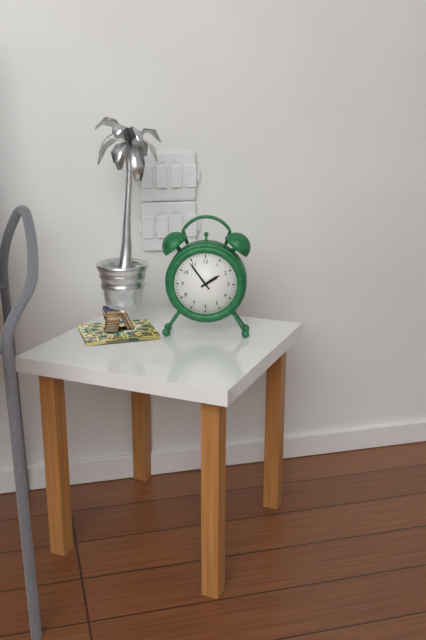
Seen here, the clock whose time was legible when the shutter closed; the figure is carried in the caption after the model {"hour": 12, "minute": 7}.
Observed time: {"hour": 1, "minute": 54}
